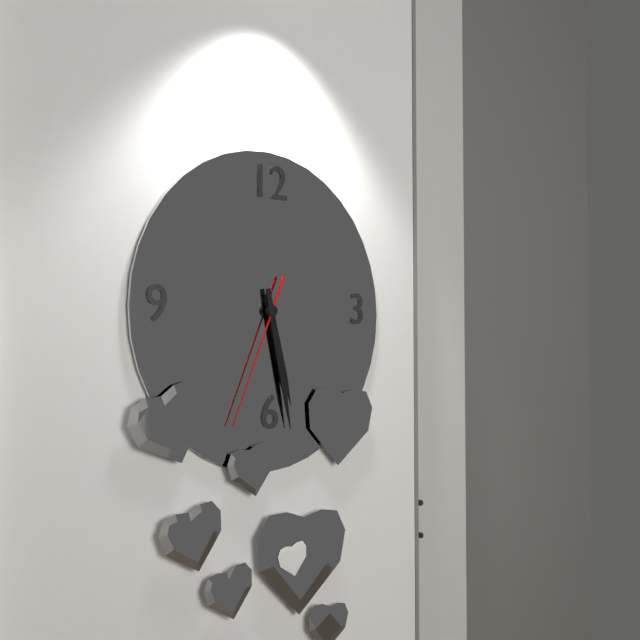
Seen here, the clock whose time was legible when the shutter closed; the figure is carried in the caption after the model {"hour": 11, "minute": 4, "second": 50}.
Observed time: {"hour": 5, "minute": 28, "second": 34}
